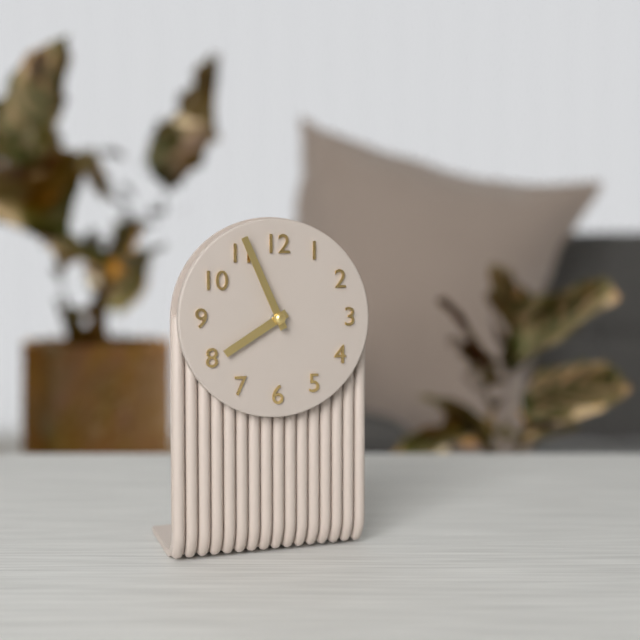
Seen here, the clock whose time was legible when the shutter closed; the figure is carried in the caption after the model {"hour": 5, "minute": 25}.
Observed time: {"hour": 7, "minute": 56}
